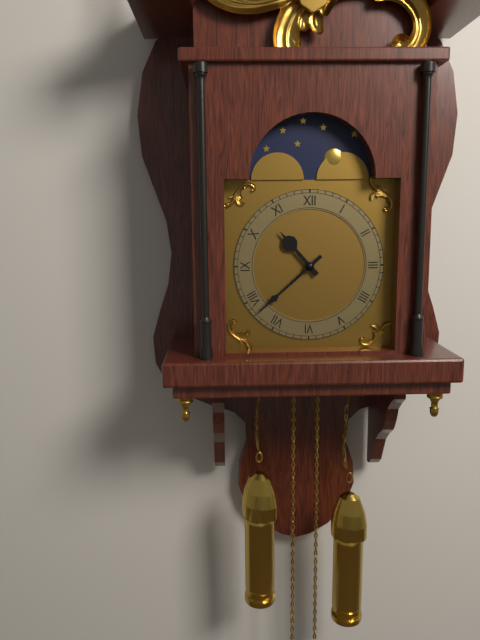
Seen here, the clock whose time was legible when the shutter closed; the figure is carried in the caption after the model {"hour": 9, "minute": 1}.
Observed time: {"hour": 10, "minute": 38}
